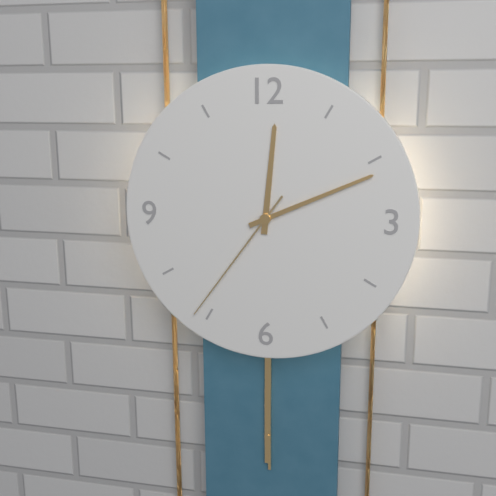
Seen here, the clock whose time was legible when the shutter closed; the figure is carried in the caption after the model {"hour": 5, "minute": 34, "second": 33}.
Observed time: {"hour": 12, "minute": 11, "second": 36}
